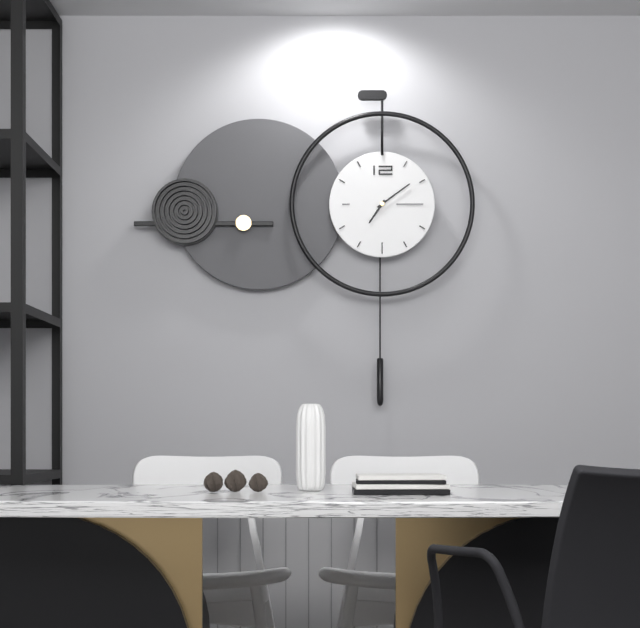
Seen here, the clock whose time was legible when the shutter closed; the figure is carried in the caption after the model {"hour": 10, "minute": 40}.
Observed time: {"hour": 7, "minute": 9}
